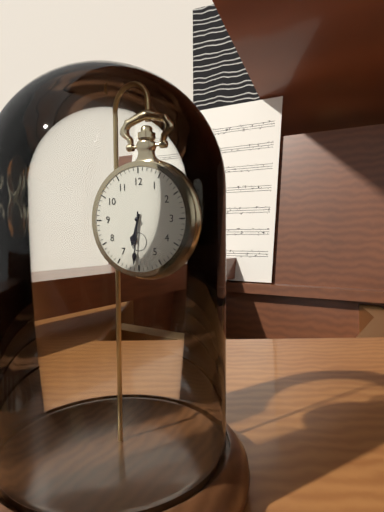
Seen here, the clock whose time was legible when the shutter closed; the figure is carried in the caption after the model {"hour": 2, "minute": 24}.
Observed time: {"hour": 6, "minute": 31}
